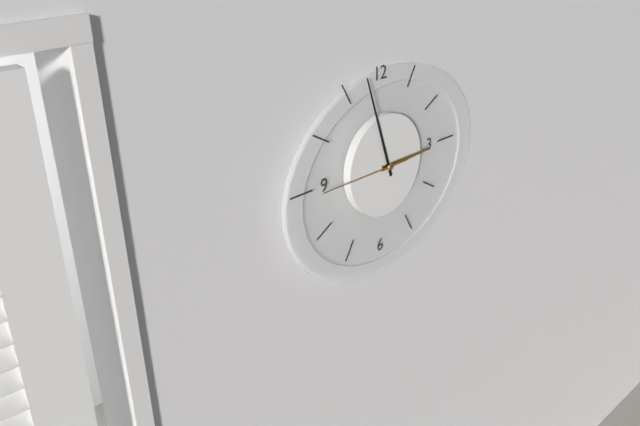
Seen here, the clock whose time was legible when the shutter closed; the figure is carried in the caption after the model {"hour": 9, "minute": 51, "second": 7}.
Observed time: {"hour": 2, "minute": 57, "second": 45}
